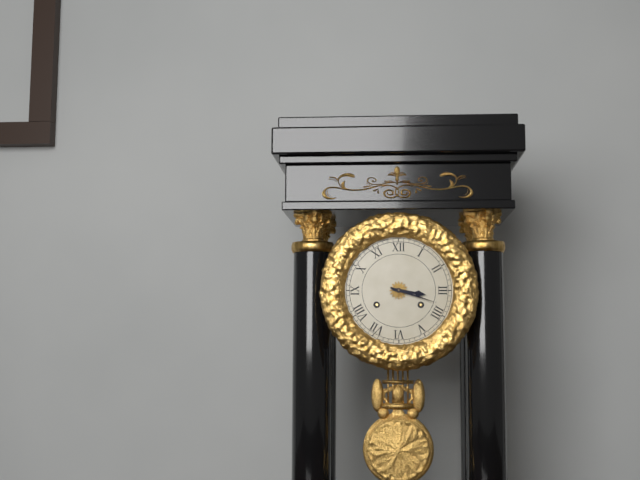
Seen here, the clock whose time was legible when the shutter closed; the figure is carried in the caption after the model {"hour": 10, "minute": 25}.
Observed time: {"hour": 3, "minute": 18}
